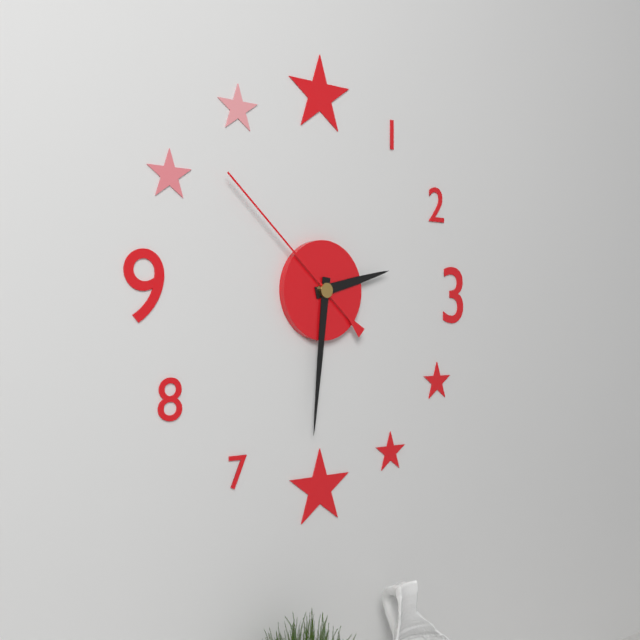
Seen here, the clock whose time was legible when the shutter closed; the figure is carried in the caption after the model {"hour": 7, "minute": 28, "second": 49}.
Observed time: {"hour": 2, "minute": 31, "second": 52}
